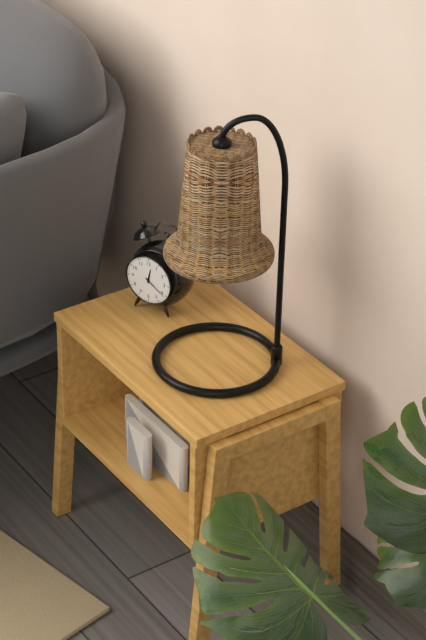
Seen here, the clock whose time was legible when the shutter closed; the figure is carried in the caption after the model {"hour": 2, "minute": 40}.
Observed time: {"hour": 12, "minute": 21}
